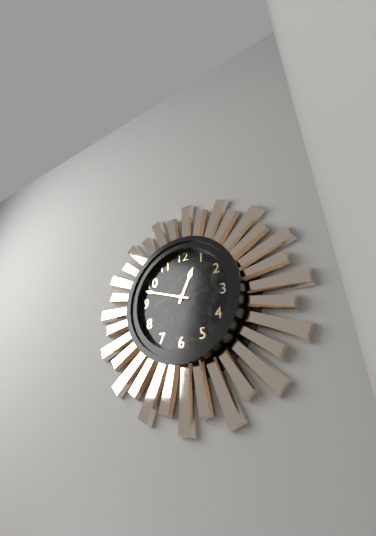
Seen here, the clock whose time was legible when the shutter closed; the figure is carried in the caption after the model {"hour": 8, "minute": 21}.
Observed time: {"hour": 12, "minute": 48}
